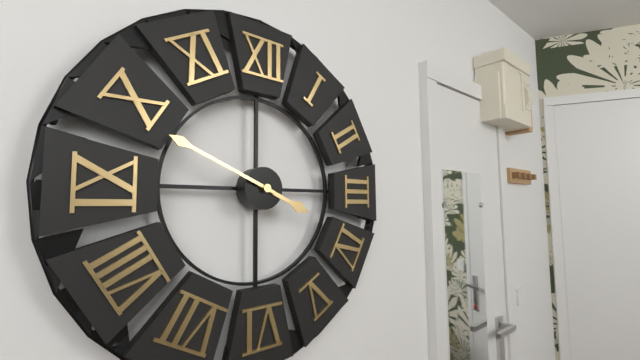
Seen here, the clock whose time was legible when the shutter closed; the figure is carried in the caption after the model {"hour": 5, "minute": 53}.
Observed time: {"hour": 3, "minute": 49}
